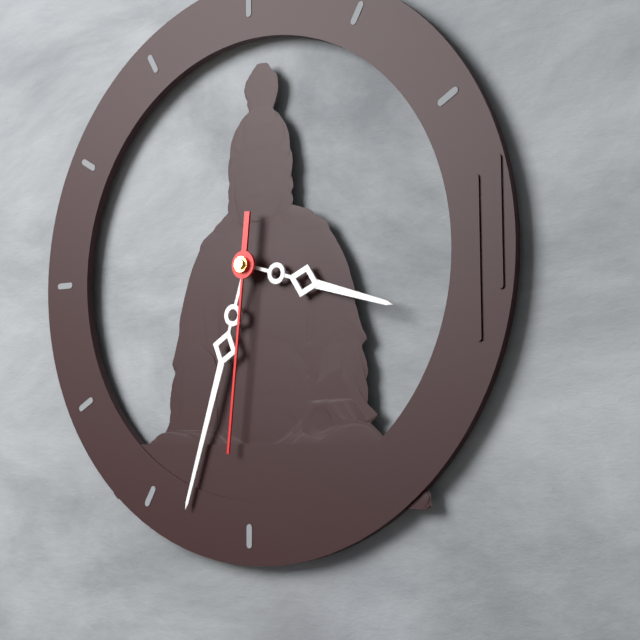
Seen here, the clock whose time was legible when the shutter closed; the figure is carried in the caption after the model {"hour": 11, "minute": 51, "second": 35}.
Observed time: {"hour": 3, "minute": 33, "second": 31}
